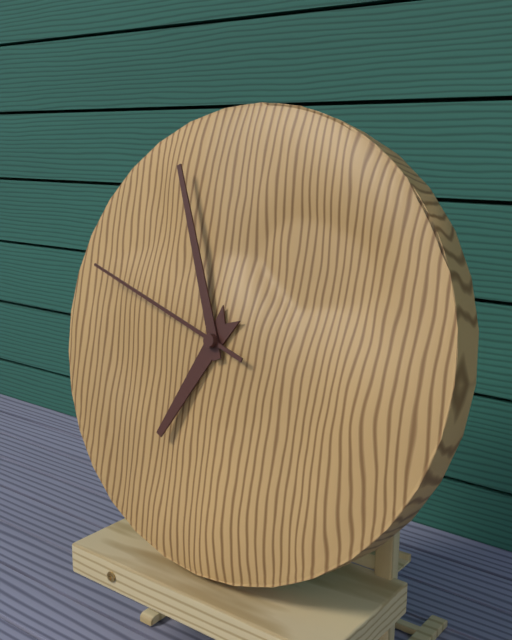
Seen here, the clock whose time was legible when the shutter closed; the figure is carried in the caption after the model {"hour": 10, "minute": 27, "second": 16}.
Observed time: {"hour": 6, "minute": 56, "second": 48}
